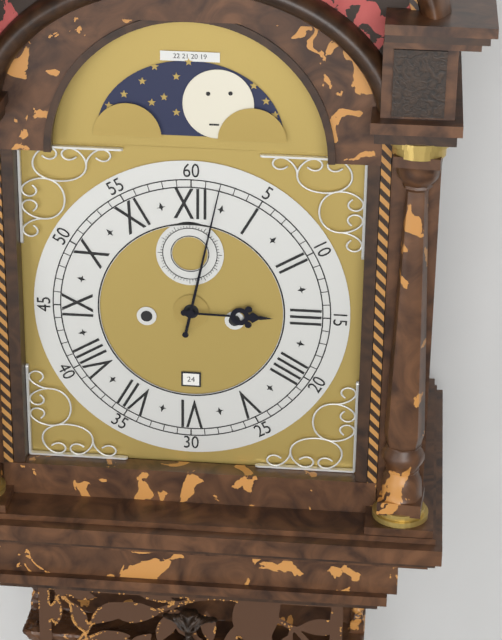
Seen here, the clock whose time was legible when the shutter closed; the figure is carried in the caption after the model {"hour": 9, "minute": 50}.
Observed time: {"hour": 3, "minute": 2}
